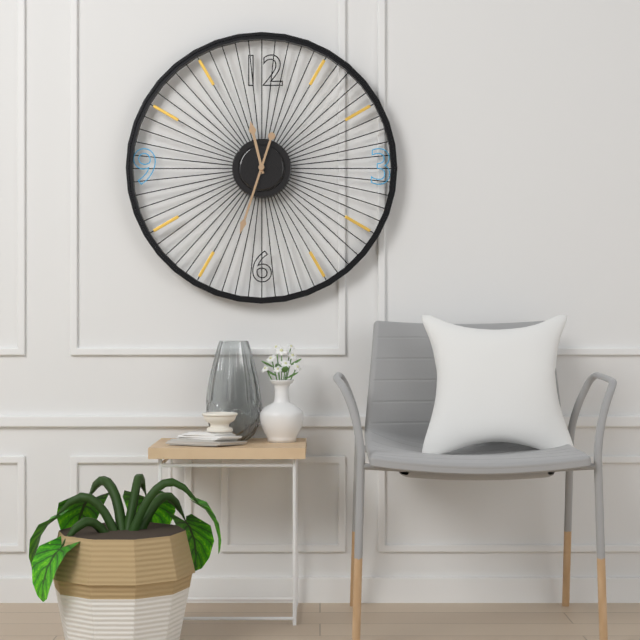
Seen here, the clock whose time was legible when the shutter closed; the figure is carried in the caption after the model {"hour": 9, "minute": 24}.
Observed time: {"hour": 11, "minute": 33}
